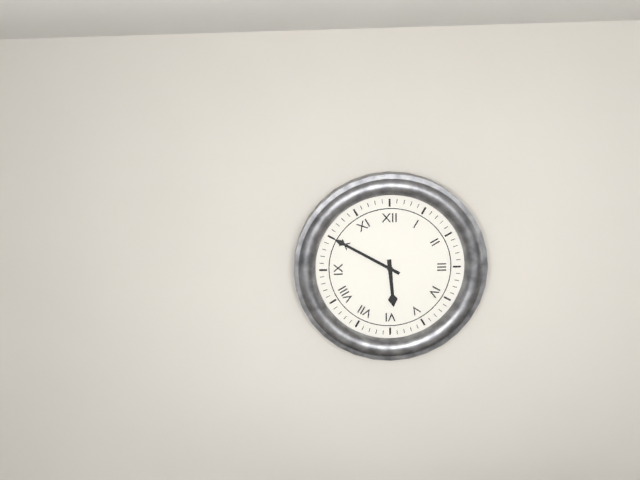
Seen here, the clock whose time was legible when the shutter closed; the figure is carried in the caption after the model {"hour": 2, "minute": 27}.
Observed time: {"hour": 5, "minute": 50}
